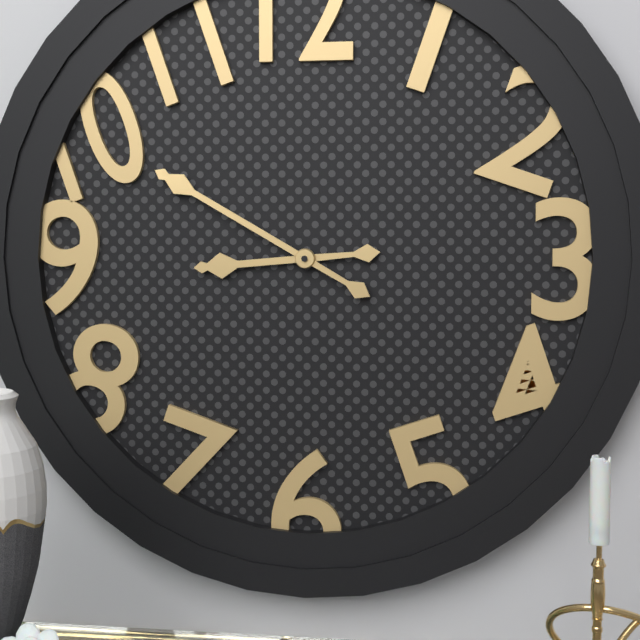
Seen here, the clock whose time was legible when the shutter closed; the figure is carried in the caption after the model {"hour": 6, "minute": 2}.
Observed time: {"hour": 8, "minute": 50}
